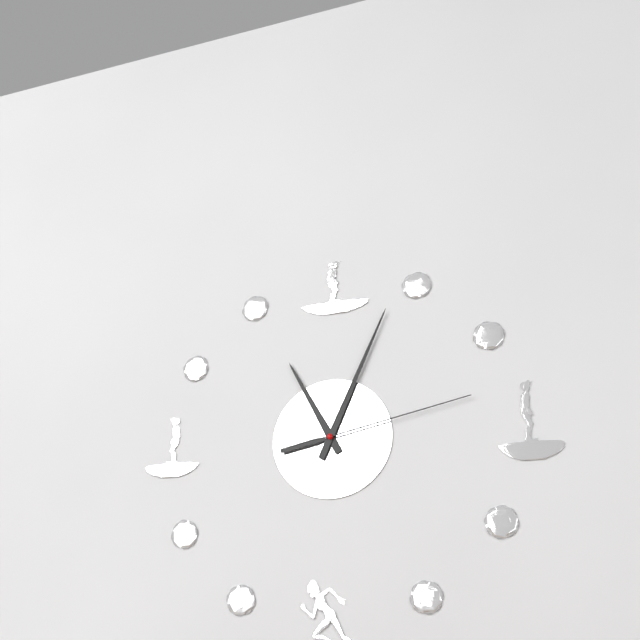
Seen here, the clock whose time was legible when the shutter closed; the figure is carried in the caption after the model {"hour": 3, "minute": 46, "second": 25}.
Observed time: {"hour": 11, "minute": 4, "second": 13}
